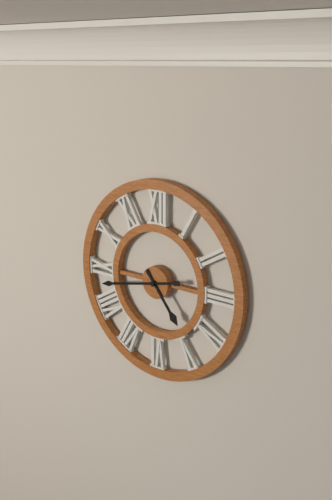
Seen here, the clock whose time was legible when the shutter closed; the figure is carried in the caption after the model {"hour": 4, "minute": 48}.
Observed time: {"hour": 4, "minute": 43}
